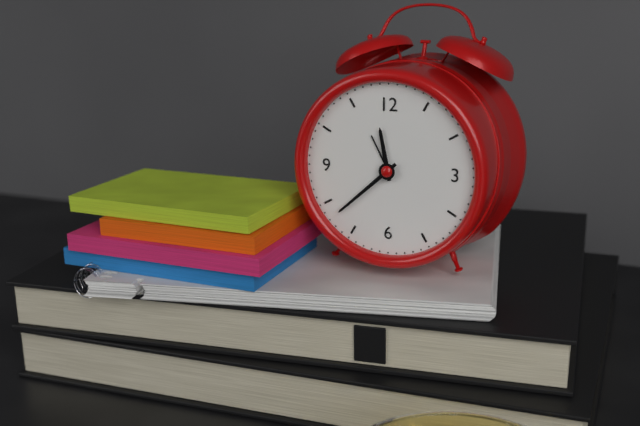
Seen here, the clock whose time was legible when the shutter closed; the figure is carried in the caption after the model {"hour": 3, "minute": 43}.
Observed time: {"hour": 11, "minute": 38}
